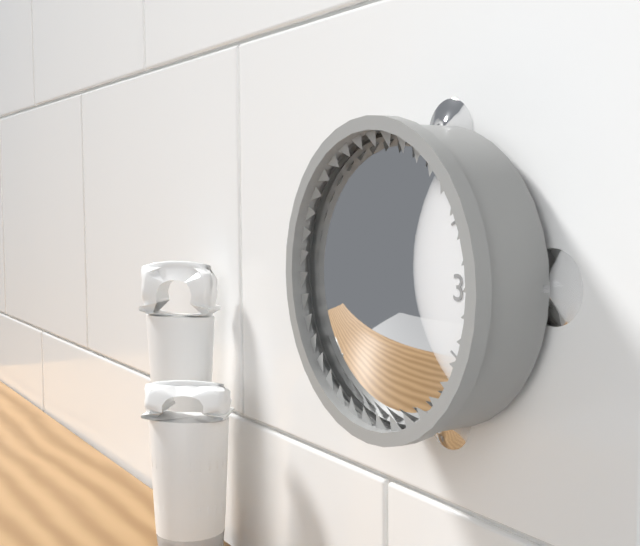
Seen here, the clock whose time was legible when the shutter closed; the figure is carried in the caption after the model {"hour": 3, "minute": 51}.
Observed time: {"hour": 5, "minute": 33}
